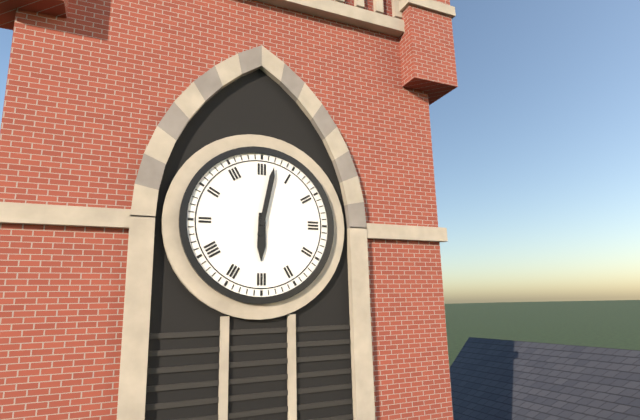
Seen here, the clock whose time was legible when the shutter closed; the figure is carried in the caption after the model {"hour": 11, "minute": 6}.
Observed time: {"hour": 6, "minute": 2}
